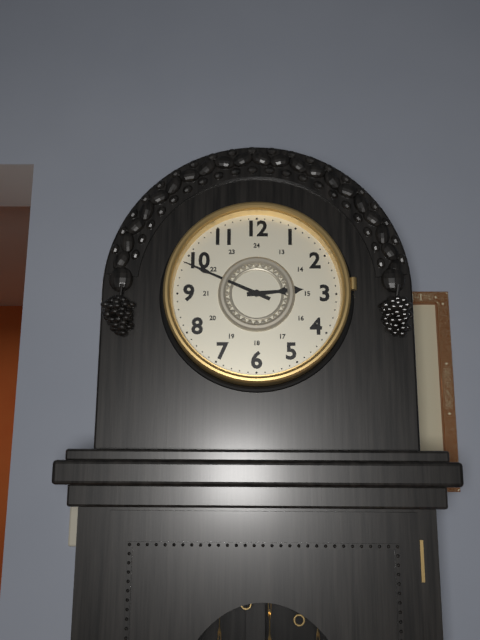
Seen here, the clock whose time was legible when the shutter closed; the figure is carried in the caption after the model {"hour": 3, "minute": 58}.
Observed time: {"hour": 2, "minute": 49}
